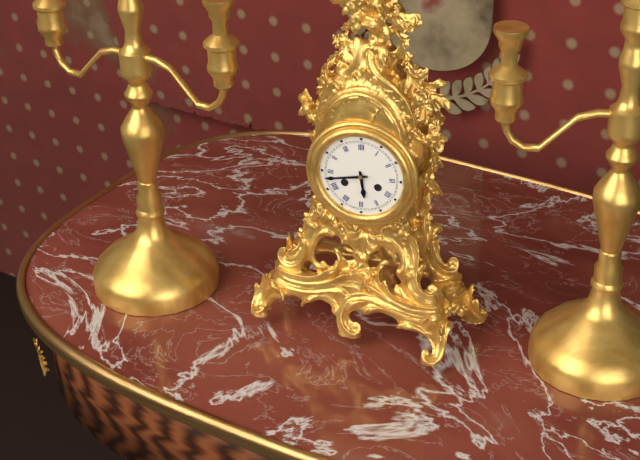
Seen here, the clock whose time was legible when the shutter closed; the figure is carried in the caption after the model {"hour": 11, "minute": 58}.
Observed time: {"hour": 5, "minute": 43}
